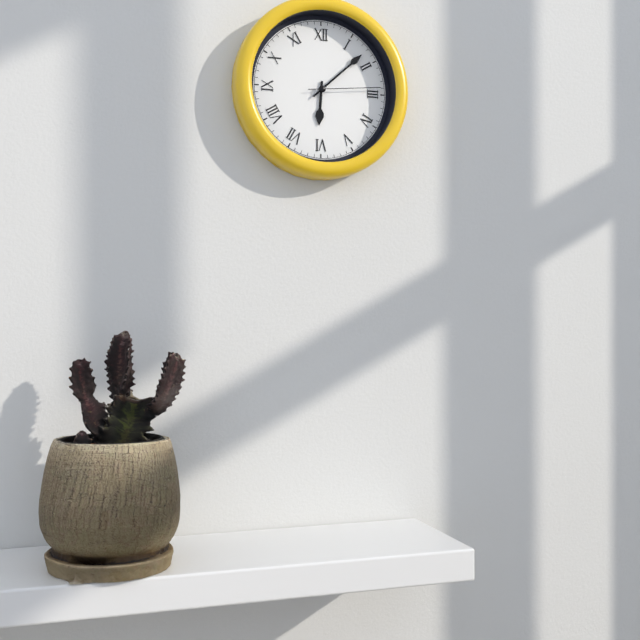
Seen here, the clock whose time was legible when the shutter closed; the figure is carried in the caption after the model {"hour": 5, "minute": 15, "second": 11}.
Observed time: {"hour": 6, "minute": 8, "second": 14}
